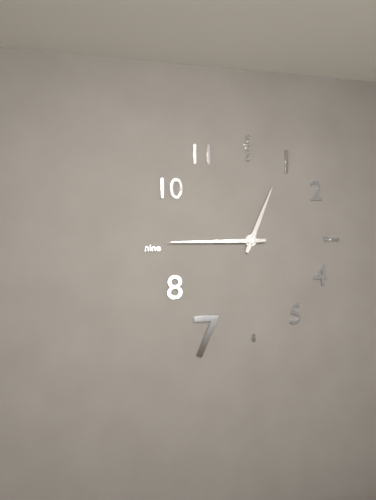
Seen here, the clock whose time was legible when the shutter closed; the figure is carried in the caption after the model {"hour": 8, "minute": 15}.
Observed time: {"hour": 12, "minute": 45}
